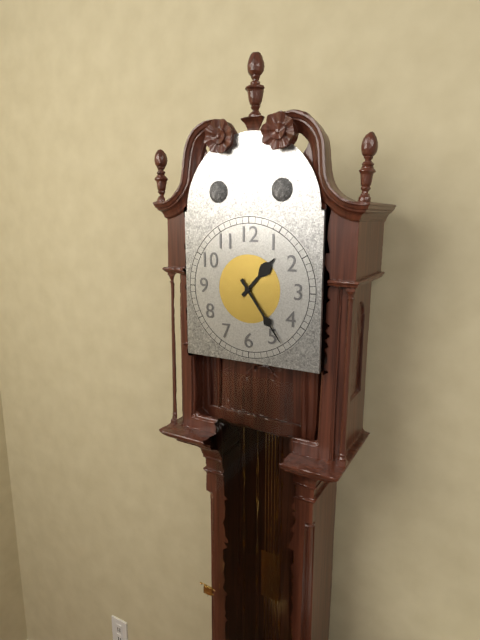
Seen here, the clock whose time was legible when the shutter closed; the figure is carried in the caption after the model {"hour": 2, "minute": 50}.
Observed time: {"hour": 1, "minute": 24}
